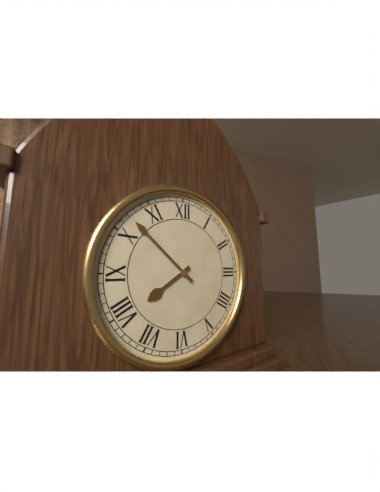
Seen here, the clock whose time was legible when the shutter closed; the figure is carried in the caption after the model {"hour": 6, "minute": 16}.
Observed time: {"hour": 7, "minute": 52}
